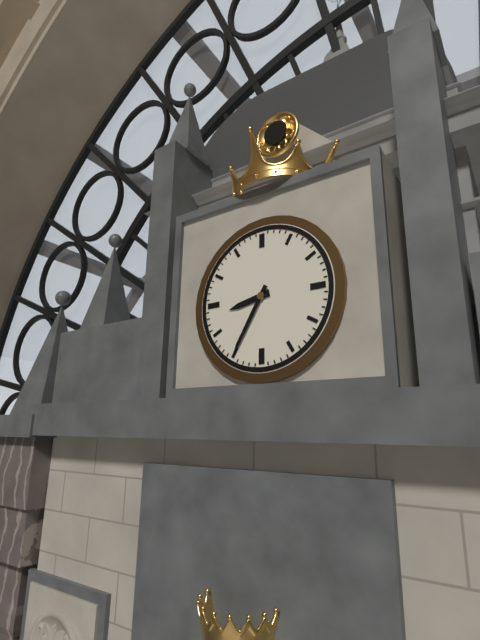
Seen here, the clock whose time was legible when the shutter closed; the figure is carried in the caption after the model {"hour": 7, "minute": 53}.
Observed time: {"hour": 8, "minute": 35}
